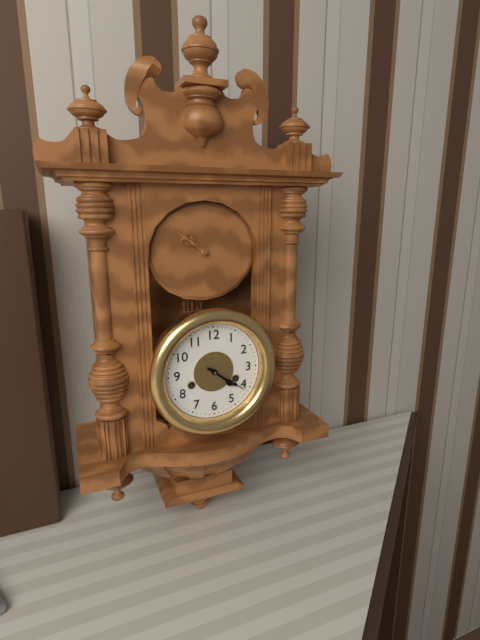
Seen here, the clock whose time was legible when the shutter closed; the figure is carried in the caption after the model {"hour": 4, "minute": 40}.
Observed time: {"hour": 4, "minute": 21}
